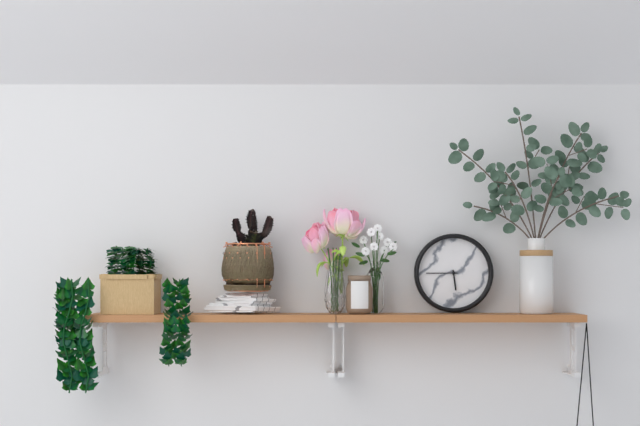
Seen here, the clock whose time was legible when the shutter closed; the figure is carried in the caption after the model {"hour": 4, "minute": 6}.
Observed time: {"hour": 5, "minute": 45}
